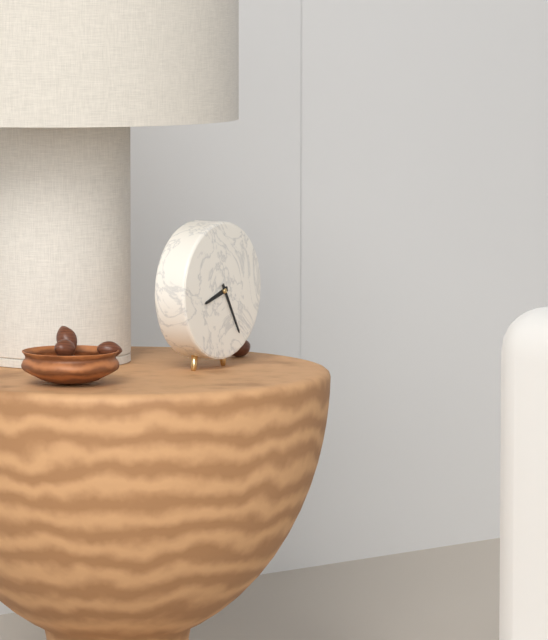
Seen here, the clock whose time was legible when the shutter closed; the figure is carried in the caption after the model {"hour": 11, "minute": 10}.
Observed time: {"hour": 8, "minute": 25}
